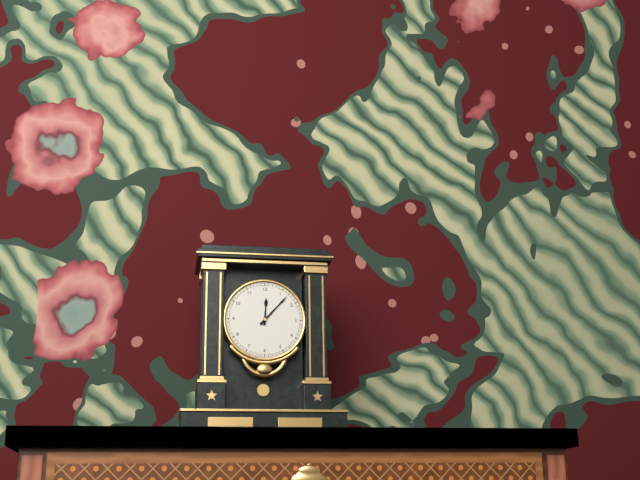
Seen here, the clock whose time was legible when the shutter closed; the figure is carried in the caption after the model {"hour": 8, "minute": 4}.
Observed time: {"hour": 12, "minute": 7}
